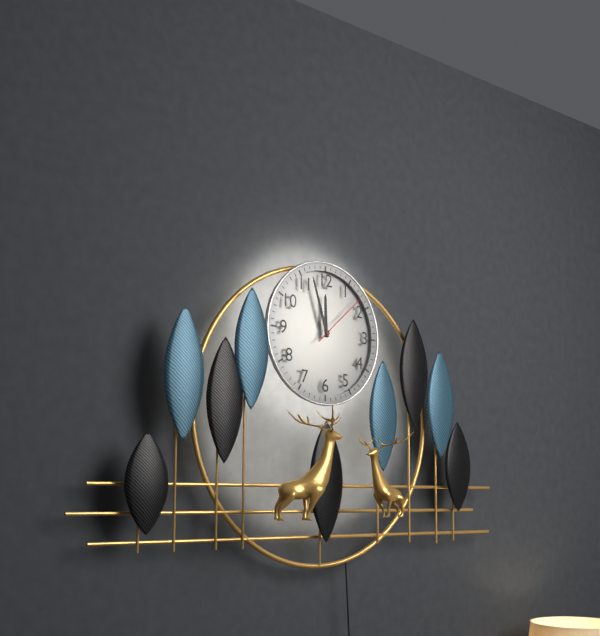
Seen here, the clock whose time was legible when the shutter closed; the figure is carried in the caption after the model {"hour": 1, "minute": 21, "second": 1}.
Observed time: {"hour": 11, "minute": 57, "second": 8}
